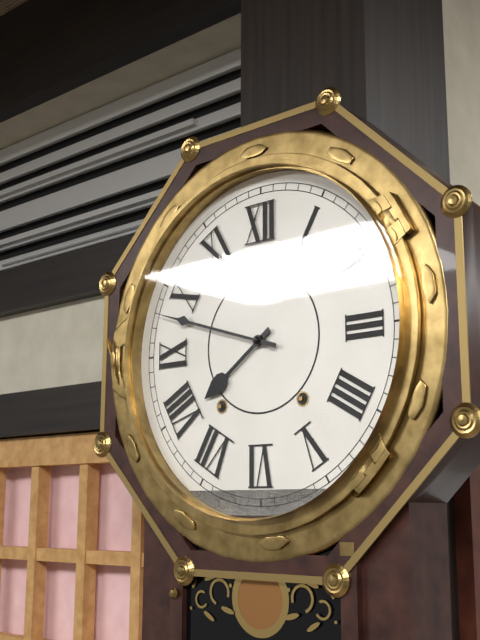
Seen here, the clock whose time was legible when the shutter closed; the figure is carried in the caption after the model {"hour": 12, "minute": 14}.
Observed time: {"hour": 7, "minute": 48}
